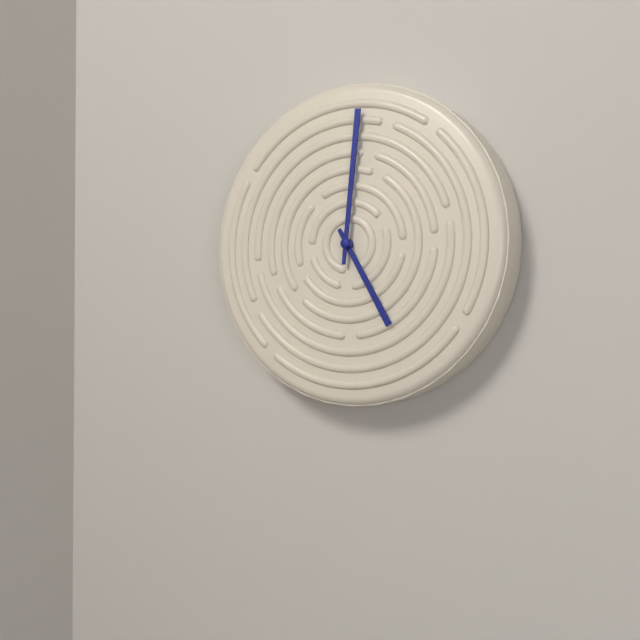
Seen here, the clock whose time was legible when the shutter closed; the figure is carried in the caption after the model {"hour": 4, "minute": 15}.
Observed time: {"hour": 5, "minute": 1}
